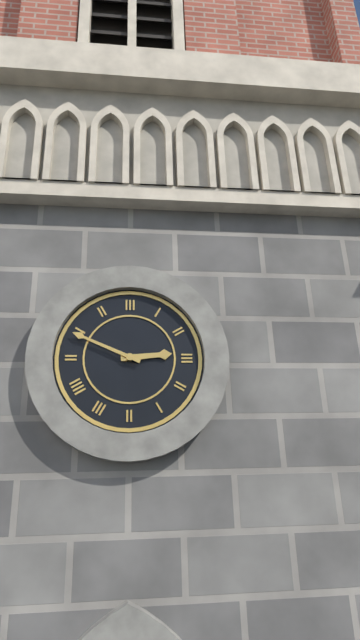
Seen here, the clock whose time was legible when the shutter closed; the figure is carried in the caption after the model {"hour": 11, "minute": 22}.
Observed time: {"hour": 2, "minute": 49}
